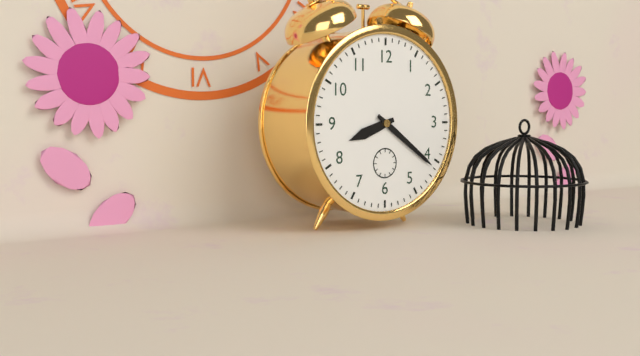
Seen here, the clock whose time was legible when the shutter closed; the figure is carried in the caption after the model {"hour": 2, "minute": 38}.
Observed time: {"hour": 8, "minute": 21}
